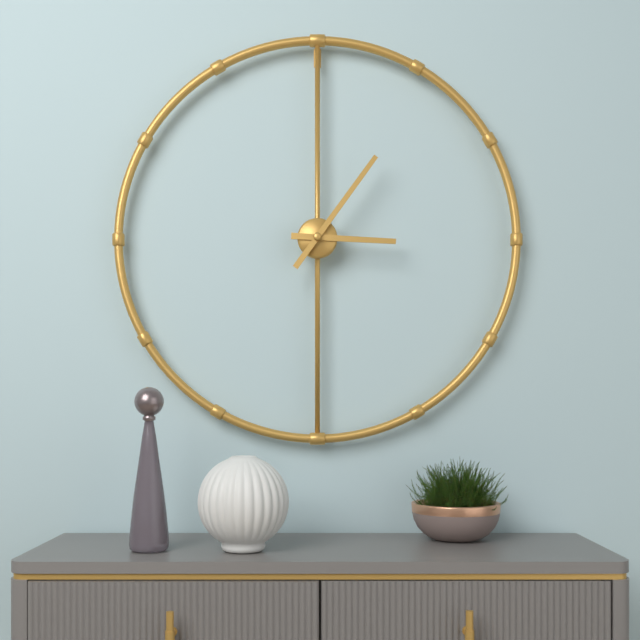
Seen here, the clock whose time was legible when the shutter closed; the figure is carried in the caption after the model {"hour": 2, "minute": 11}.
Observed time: {"hour": 3, "minute": 6}
